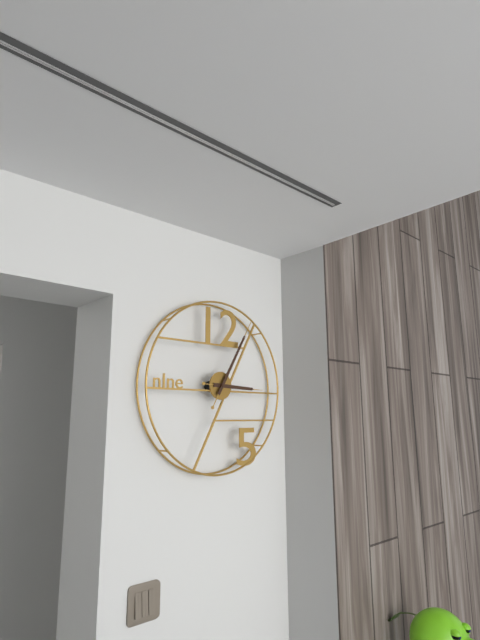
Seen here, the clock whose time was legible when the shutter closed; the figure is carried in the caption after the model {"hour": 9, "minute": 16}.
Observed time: {"hour": 3, "minute": 5}
